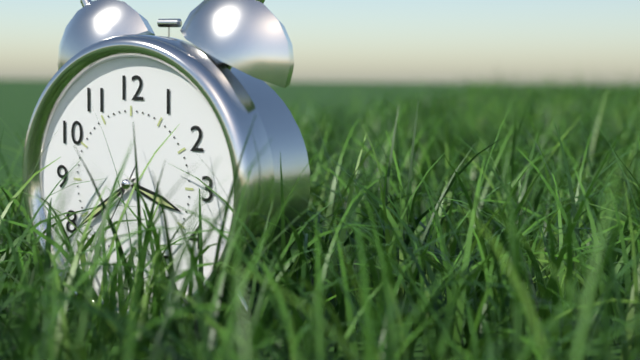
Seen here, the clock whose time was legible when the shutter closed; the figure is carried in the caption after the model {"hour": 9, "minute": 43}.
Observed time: {"hour": 3, "minute": 39}
